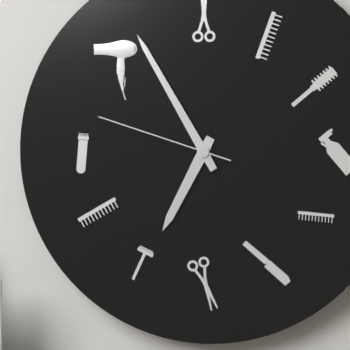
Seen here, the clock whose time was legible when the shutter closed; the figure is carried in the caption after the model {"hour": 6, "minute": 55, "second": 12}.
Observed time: {"hour": 6, "minute": 55, "second": 48}
